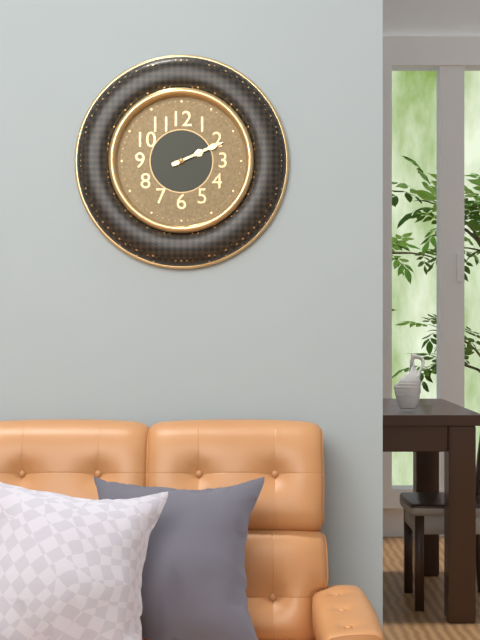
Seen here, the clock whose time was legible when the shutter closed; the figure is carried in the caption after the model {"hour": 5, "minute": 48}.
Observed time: {"hour": 2, "minute": 11}
